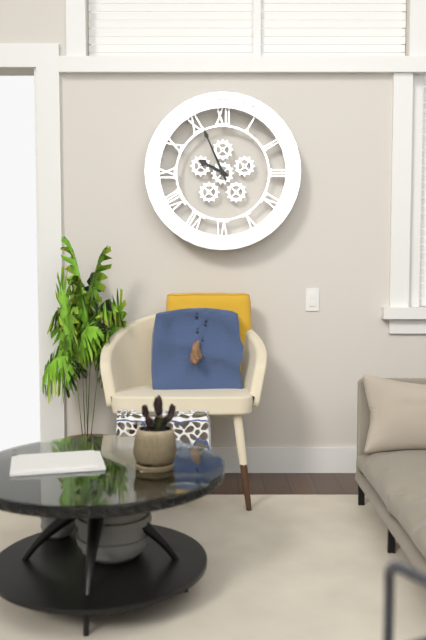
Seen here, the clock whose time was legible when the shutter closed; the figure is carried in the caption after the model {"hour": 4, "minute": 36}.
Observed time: {"hour": 9, "minute": 56}
